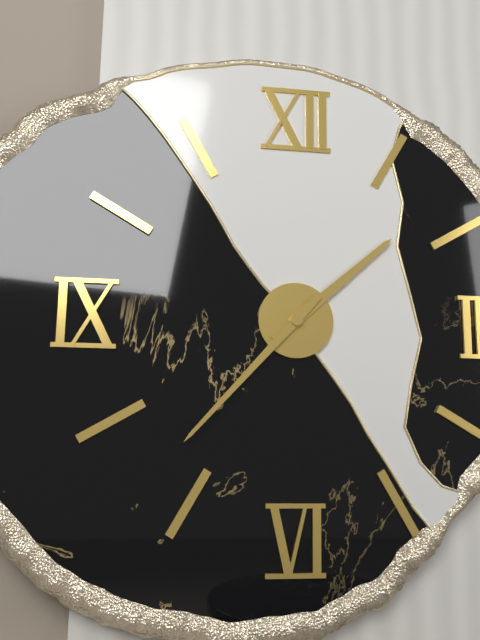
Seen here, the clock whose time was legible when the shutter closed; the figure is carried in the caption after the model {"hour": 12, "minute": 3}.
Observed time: {"hour": 1, "minute": 37}
